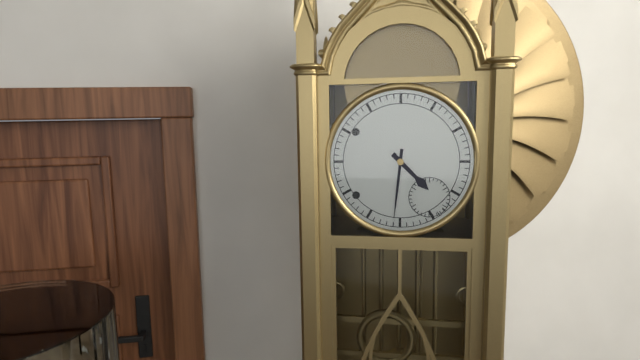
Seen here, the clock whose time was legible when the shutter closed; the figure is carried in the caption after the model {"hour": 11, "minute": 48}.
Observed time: {"hour": 4, "minute": 31}
